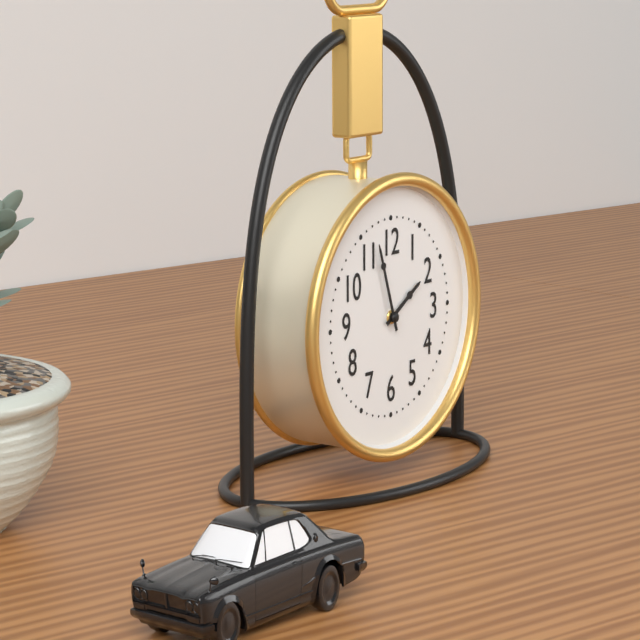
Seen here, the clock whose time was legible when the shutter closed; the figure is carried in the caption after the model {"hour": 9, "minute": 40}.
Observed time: {"hour": 1, "minute": 57}
